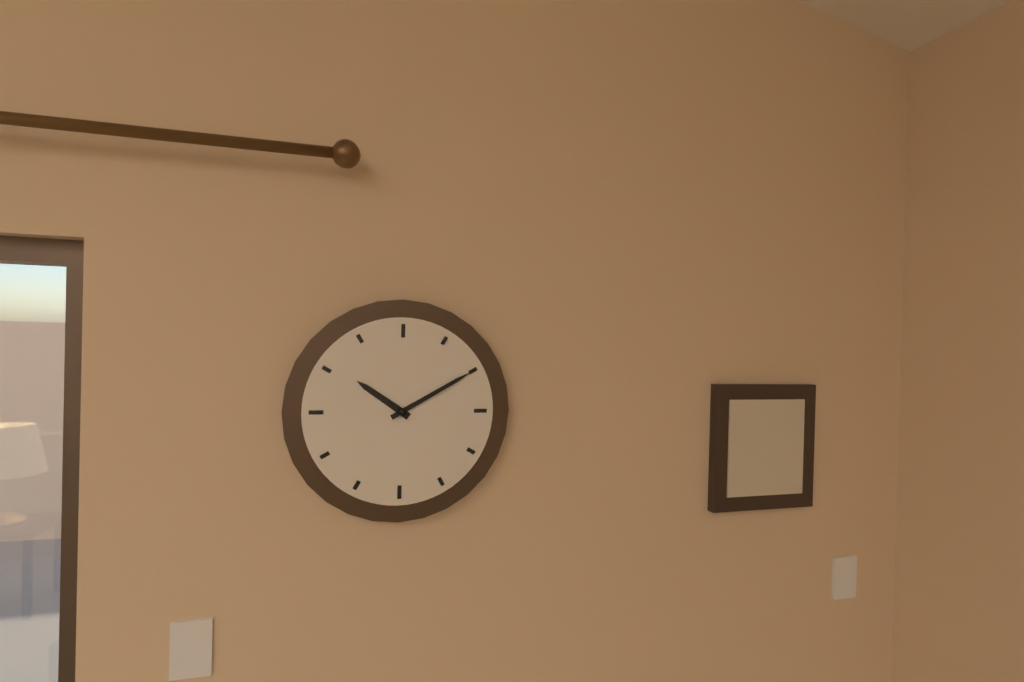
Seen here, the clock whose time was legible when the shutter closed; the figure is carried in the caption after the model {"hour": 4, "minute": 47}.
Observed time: {"hour": 10, "minute": 10}
